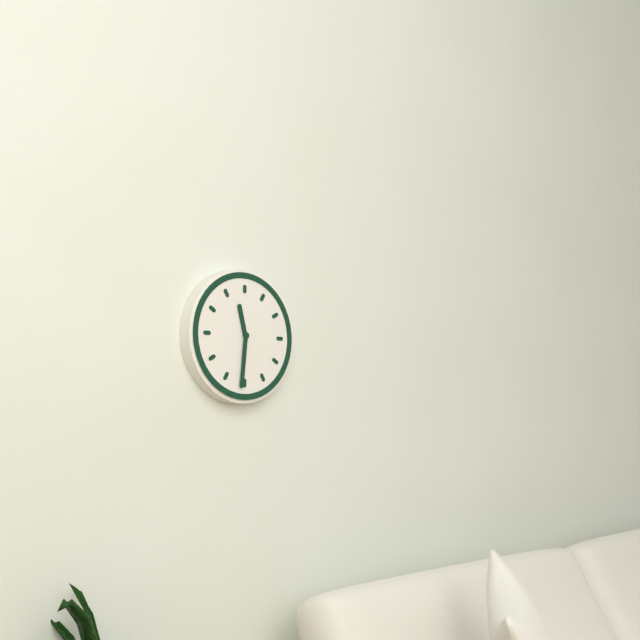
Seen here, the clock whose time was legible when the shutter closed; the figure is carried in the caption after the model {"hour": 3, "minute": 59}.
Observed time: {"hour": 11, "minute": 31}
